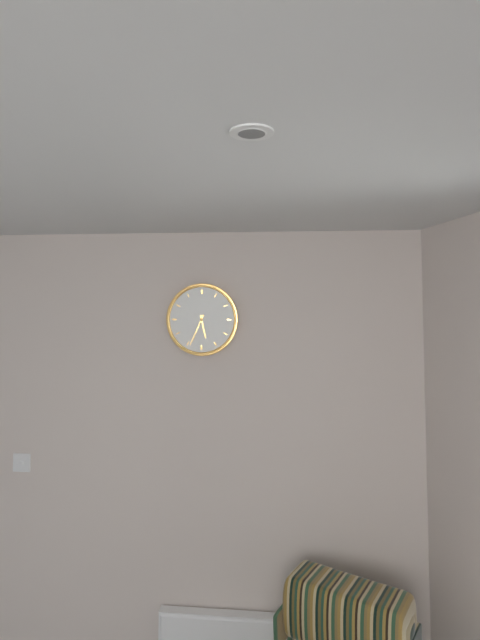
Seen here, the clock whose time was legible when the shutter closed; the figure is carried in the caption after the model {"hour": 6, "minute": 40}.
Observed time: {"hour": 5, "minute": 34}
